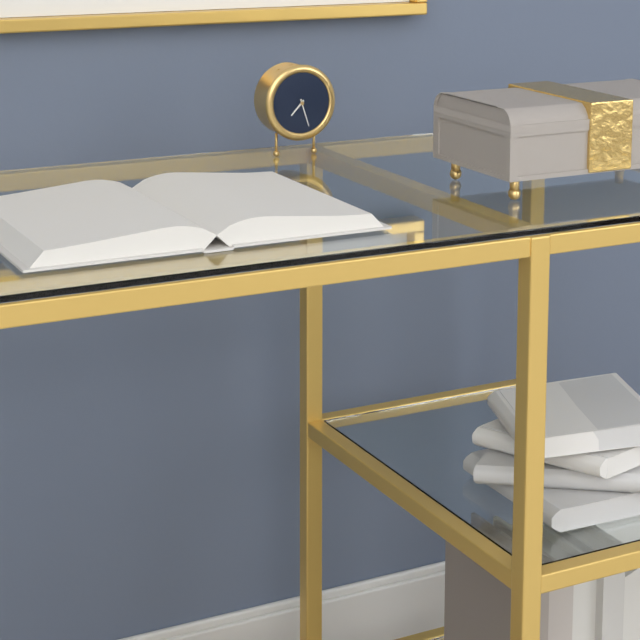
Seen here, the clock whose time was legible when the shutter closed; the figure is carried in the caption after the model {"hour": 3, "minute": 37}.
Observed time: {"hour": 7, "minute": 27}
